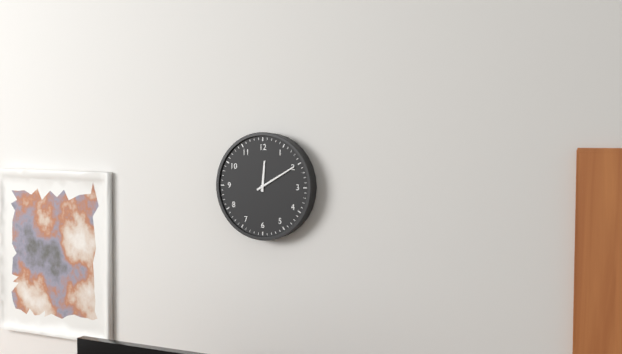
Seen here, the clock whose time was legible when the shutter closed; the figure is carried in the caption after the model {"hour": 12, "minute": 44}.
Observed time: {"hour": 12, "minute": 10}
